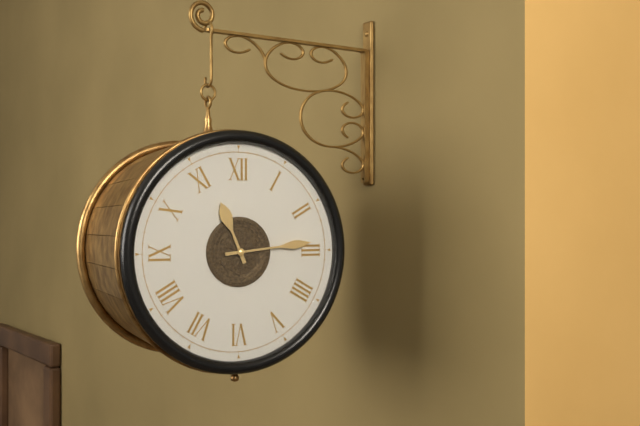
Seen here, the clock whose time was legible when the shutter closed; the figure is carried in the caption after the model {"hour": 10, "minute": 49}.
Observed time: {"hour": 11, "minute": 14}
